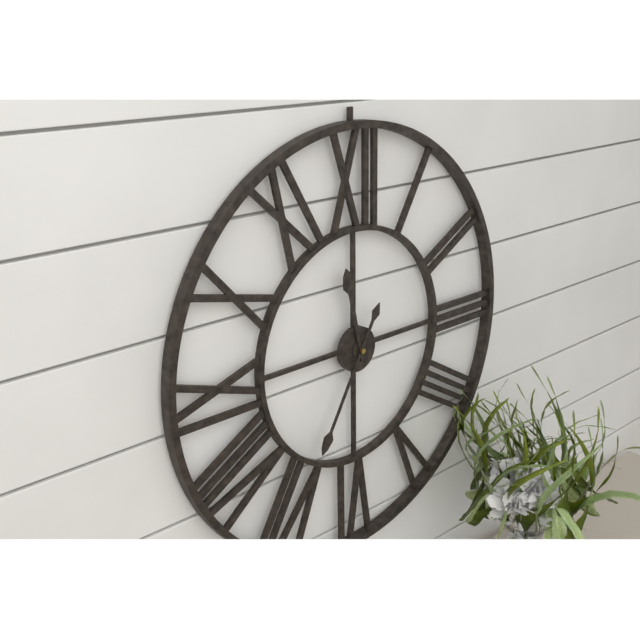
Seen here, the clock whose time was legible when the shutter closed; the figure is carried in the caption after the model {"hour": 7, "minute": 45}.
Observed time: {"hour": 11, "minute": 35}
